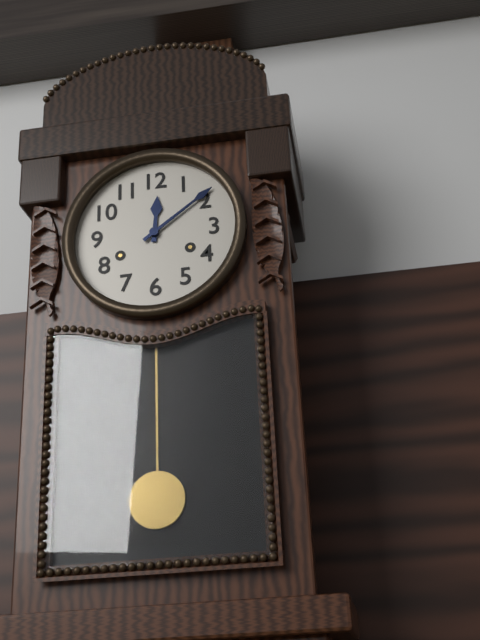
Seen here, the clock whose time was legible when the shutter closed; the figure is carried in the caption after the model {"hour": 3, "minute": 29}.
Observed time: {"hour": 12, "minute": 9}
